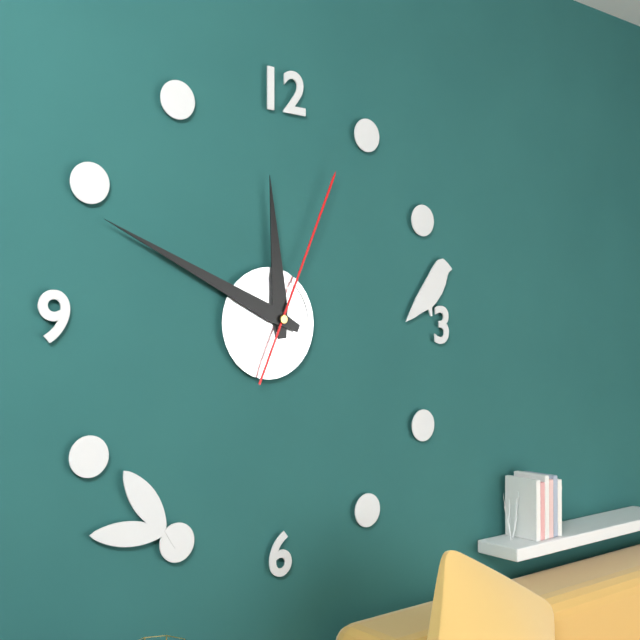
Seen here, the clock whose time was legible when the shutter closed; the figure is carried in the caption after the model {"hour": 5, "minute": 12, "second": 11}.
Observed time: {"hour": 11, "minute": 49, "second": 4}
